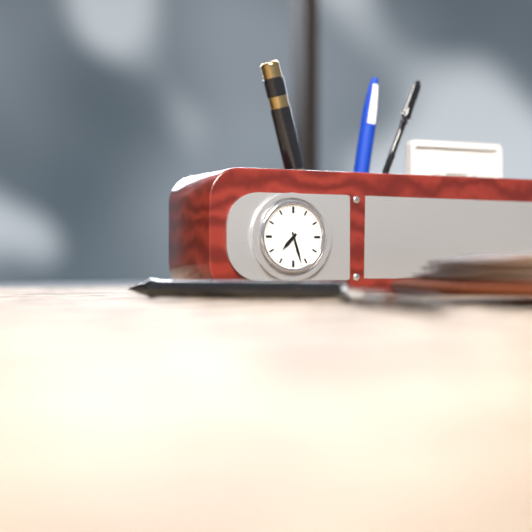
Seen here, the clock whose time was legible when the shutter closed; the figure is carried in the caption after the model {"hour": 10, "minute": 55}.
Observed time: {"hour": 7, "minute": 27}
